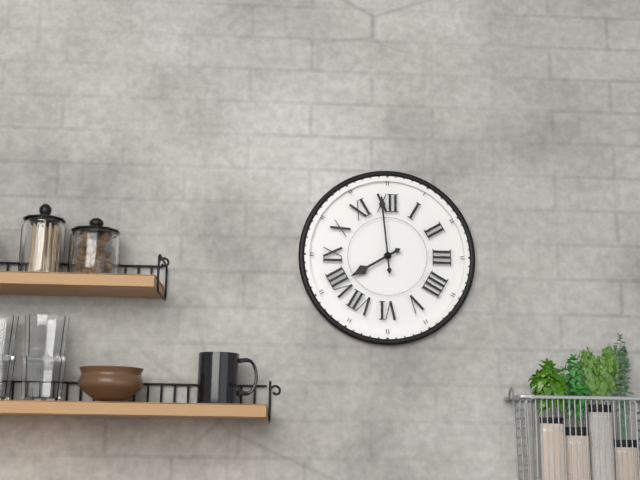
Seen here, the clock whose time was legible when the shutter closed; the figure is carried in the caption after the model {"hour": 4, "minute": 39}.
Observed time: {"hour": 7, "minute": 59}
